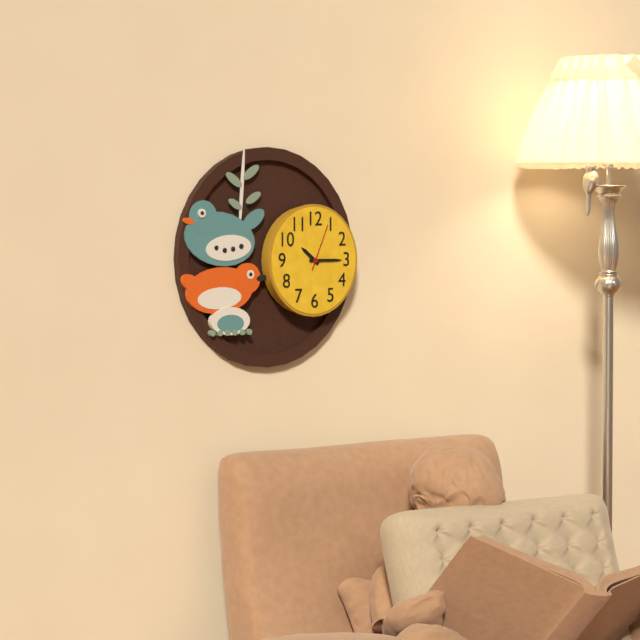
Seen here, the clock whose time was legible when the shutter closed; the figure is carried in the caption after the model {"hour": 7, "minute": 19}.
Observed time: {"hour": 10, "minute": 15}
